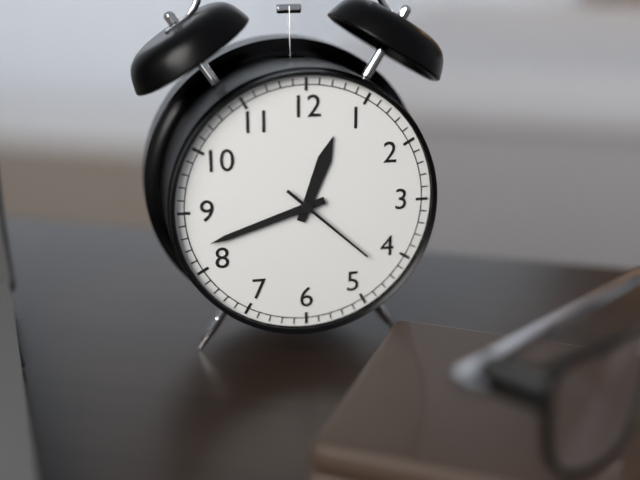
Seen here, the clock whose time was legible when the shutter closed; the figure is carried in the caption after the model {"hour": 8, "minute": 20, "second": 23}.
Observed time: {"hour": 12, "minute": 42, "second": 22}
